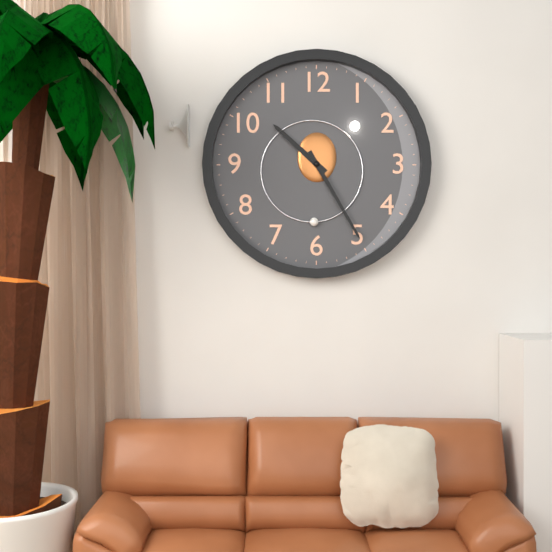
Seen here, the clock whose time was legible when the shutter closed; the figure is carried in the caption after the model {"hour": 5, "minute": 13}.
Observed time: {"hour": 10, "minute": 25}
